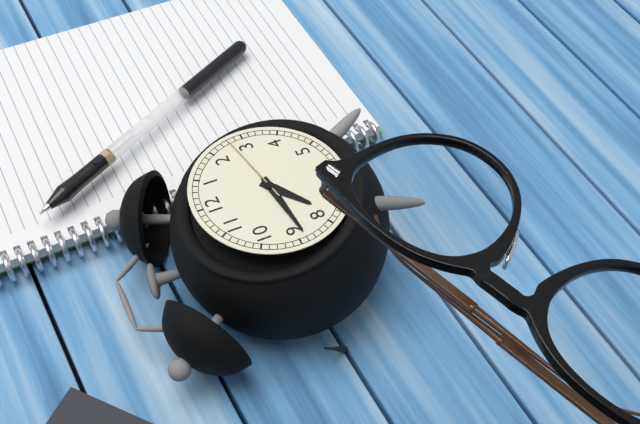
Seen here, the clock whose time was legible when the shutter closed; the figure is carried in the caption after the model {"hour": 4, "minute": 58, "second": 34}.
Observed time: {"hour": 7, "minute": 44, "second": 13}
